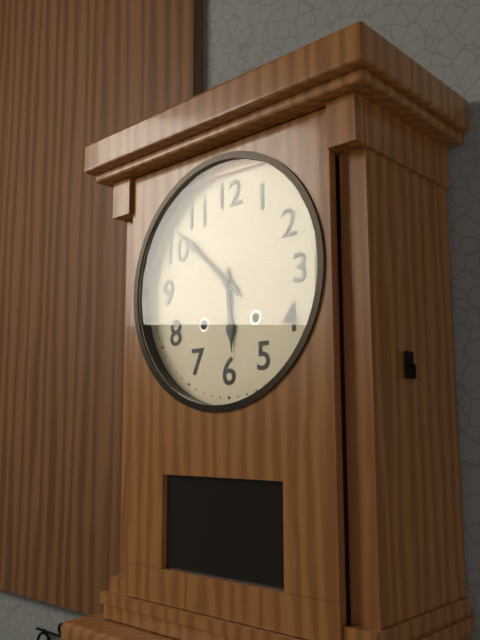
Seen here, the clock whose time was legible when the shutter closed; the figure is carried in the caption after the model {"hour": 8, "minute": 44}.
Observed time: {"hour": 5, "minute": 52}
